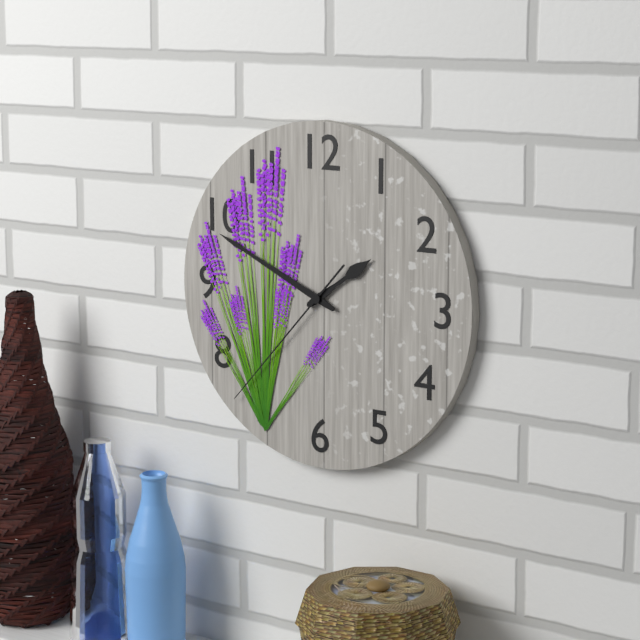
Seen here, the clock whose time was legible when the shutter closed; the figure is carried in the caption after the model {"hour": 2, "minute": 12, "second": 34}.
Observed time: {"hour": 1, "minute": 49, "second": 37}
